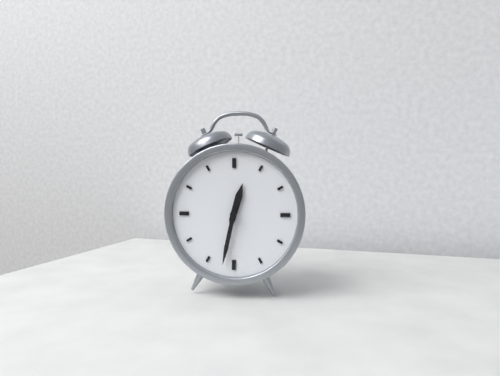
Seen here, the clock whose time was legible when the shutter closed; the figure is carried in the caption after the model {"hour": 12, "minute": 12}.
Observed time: {"hour": 12, "minute": 32}
